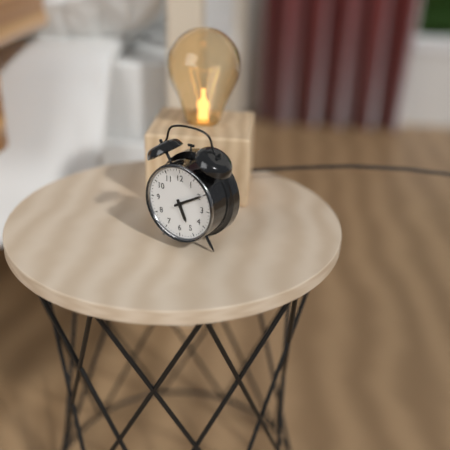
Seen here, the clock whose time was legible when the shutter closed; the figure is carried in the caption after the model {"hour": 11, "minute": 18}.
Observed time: {"hour": 5, "minute": 10}
